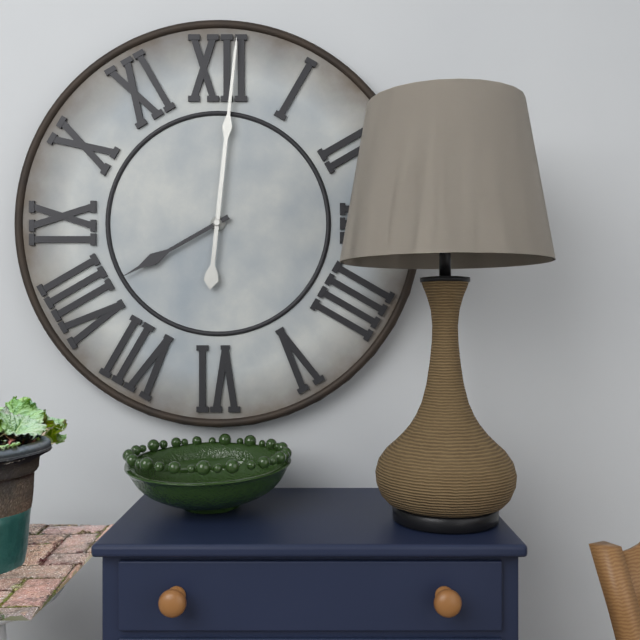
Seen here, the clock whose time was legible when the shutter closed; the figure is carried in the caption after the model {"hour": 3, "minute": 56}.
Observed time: {"hour": 8, "minute": 1}
